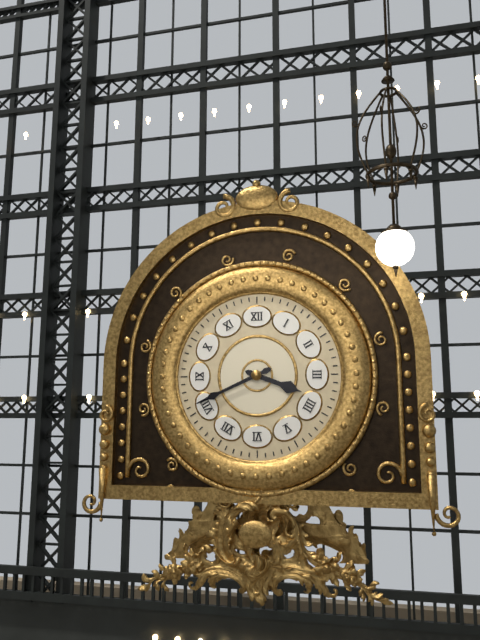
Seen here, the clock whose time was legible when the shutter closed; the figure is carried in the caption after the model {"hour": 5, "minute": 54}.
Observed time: {"hour": 3, "minute": 41}
